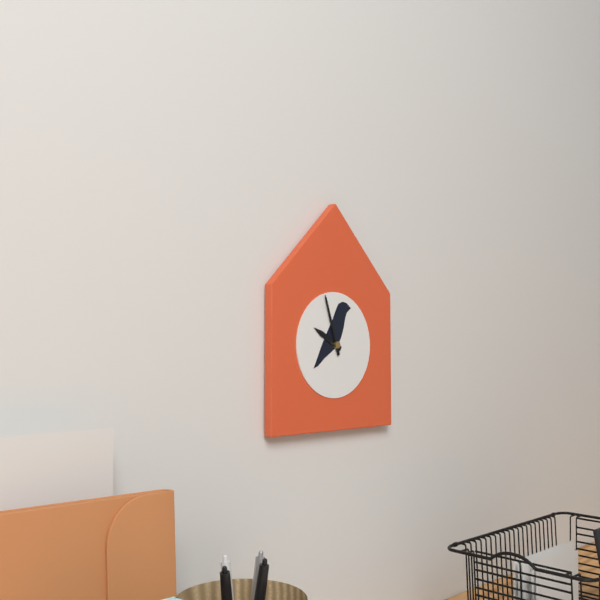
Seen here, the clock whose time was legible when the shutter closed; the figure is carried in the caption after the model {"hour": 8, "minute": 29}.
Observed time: {"hour": 9, "minute": 57}
